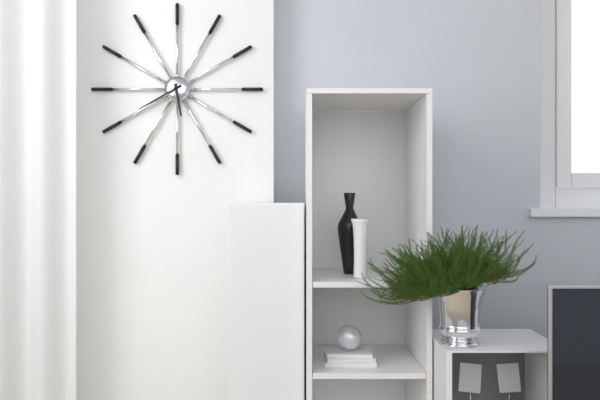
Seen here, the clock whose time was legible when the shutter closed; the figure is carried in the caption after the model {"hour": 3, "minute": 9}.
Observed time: {"hour": 5, "minute": 40}
